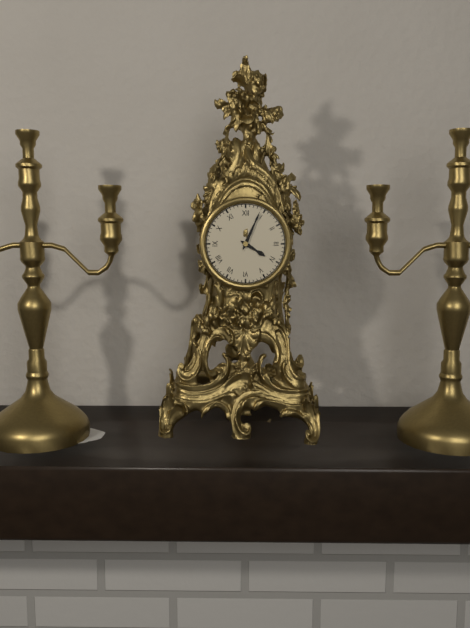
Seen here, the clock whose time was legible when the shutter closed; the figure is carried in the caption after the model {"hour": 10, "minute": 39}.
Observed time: {"hour": 4, "minute": 4}
